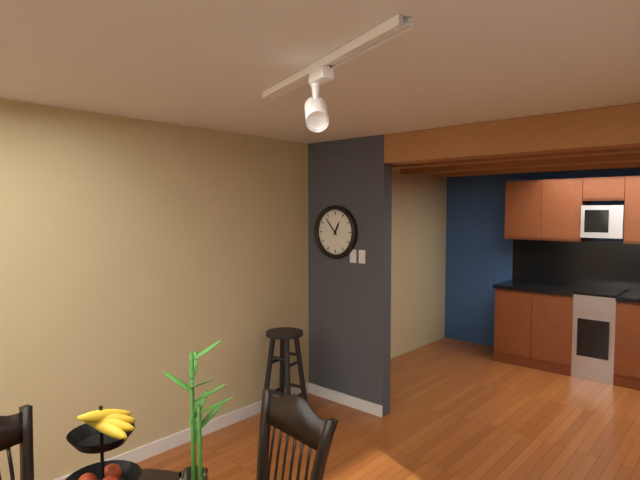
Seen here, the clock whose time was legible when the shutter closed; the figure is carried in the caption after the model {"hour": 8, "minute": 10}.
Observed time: {"hour": 12, "minute": 53}
